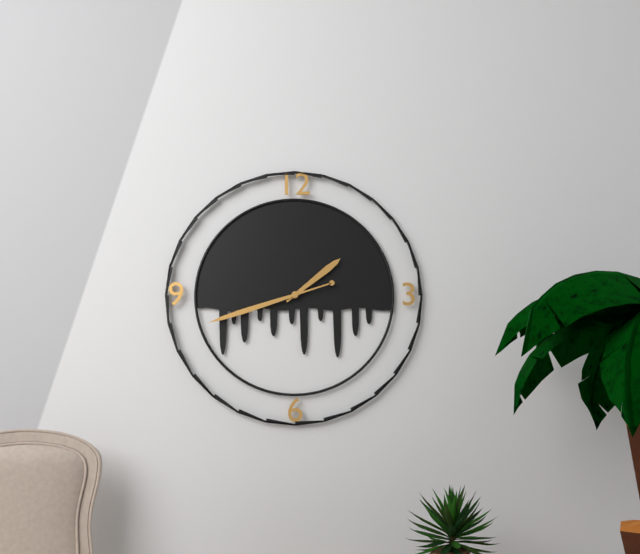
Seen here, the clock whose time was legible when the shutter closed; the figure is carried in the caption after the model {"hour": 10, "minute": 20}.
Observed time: {"hour": 1, "minute": 42}
